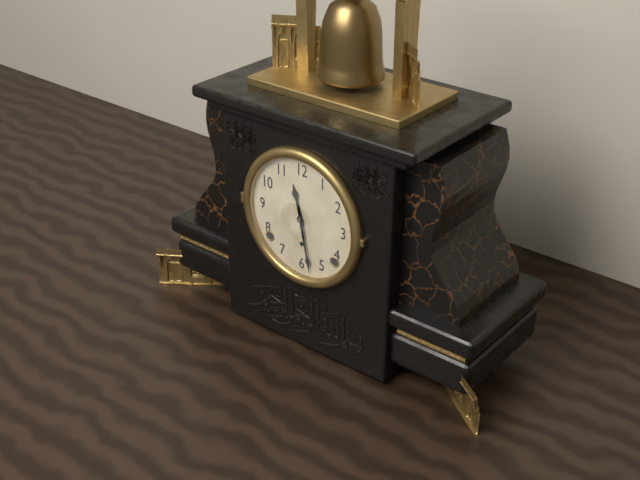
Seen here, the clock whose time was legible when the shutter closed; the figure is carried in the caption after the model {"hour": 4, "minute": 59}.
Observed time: {"hour": 11, "minute": 28}
